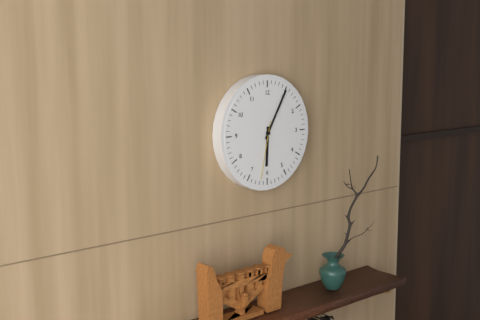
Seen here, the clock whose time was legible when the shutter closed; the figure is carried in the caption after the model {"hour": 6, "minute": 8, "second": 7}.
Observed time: {"hour": 6, "minute": 5, "second": 32}
